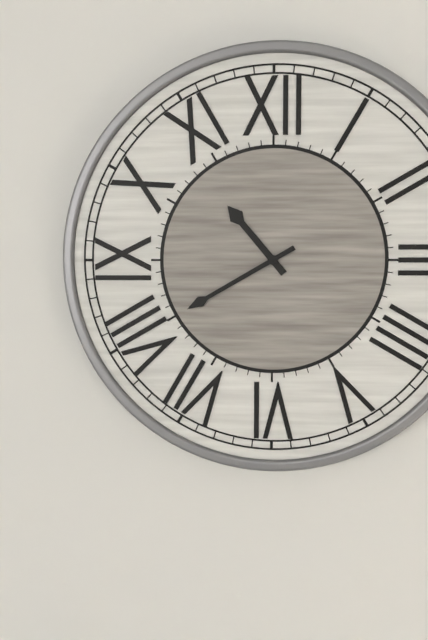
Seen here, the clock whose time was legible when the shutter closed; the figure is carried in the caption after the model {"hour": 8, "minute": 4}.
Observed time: {"hour": 10, "minute": 40}
